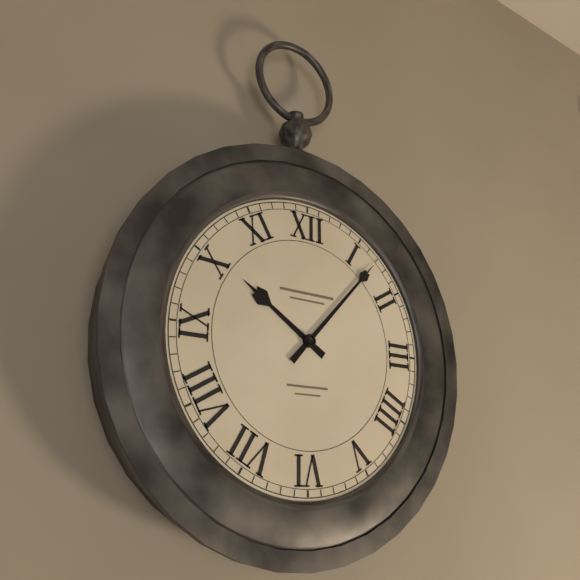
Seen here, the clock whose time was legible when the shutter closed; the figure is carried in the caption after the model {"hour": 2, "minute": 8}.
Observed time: {"hour": 10, "minute": 7}
